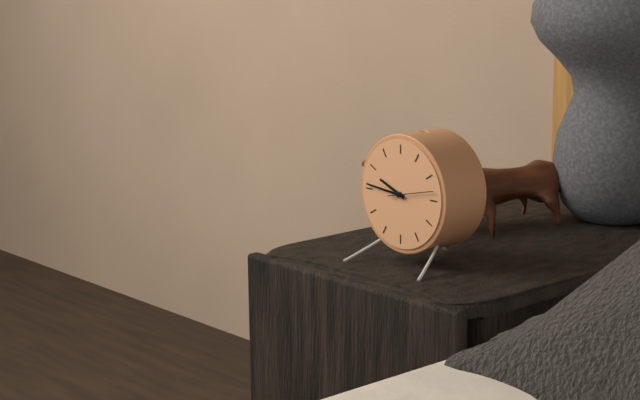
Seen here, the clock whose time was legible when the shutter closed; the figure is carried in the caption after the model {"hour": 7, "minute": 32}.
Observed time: {"hour": 9, "minute": 46}
